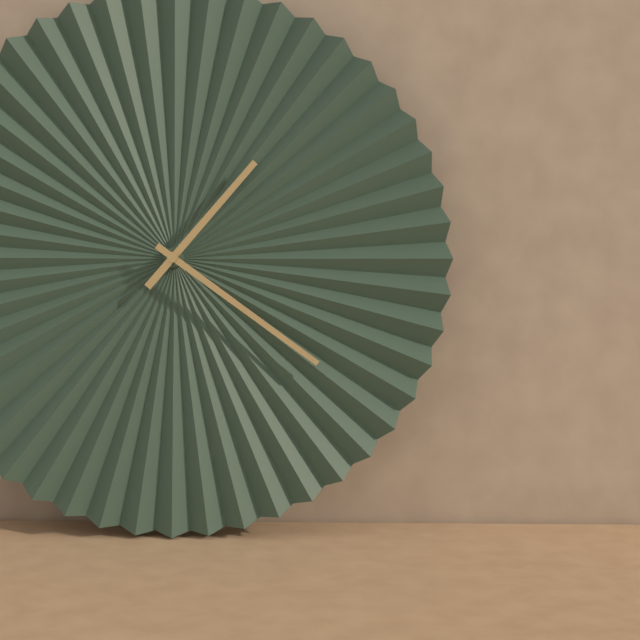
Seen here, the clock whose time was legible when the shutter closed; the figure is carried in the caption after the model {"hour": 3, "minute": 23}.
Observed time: {"hour": 1, "minute": 21}
